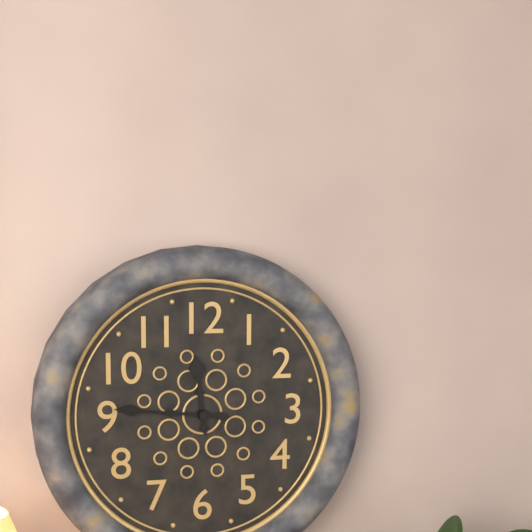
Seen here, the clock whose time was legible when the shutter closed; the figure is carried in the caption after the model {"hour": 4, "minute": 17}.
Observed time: {"hour": 11, "minute": 46}
